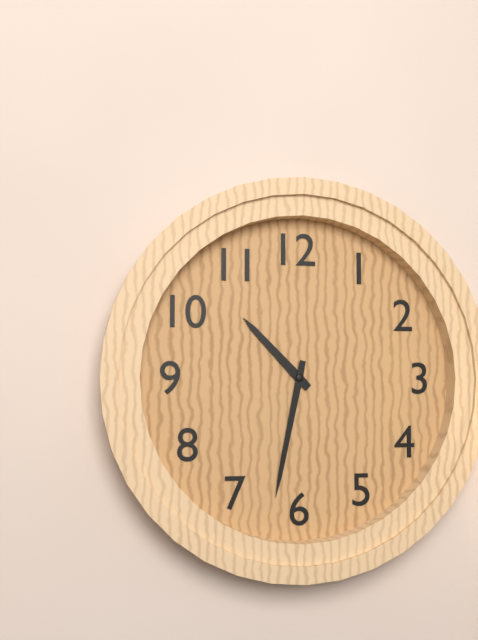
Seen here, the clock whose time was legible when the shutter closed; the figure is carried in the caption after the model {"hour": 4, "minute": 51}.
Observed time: {"hour": 10, "minute": 32}
